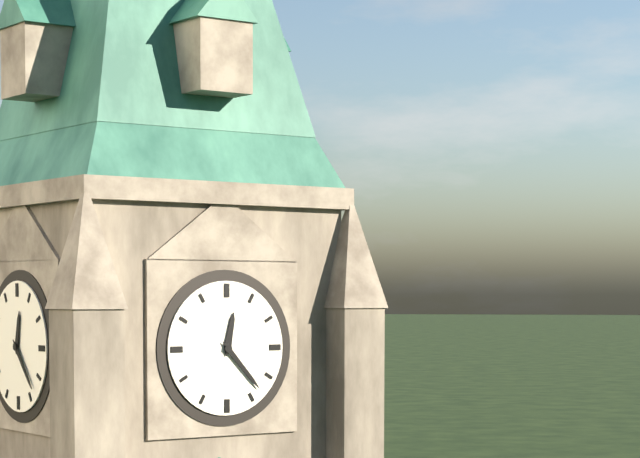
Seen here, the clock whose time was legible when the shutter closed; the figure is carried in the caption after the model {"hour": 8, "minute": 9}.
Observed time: {"hour": 12, "minute": 23}
